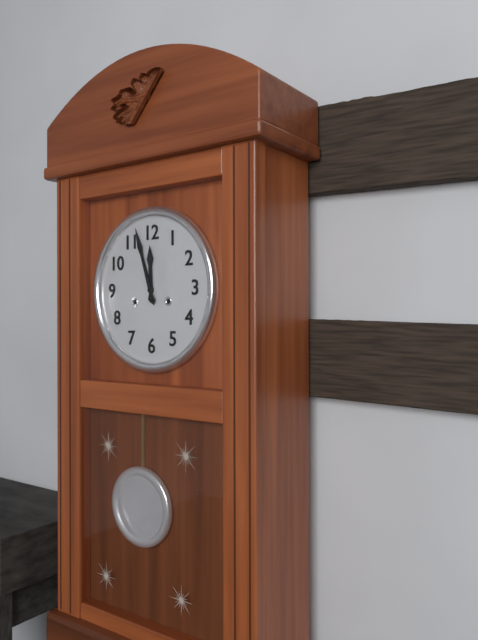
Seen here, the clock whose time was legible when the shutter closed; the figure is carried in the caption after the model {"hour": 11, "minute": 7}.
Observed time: {"hour": 11, "minute": 57}
